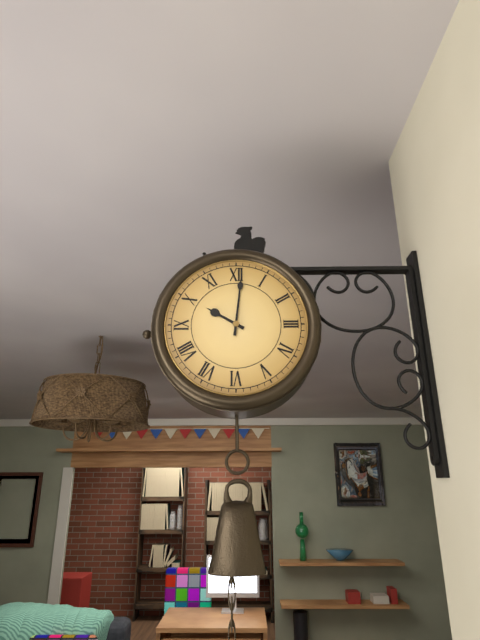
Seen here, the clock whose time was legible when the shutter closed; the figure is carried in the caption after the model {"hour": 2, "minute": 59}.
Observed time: {"hour": 10, "minute": 1}
